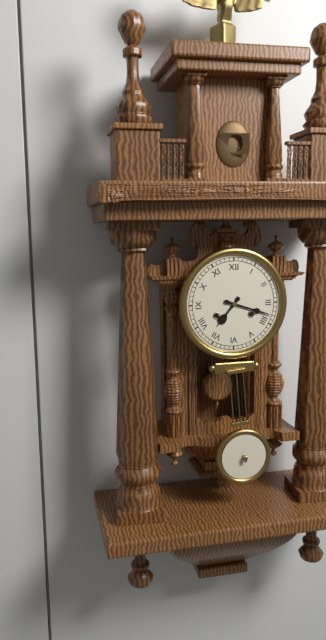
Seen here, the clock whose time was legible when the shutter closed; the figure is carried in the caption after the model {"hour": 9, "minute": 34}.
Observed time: {"hour": 7, "minute": 18}
